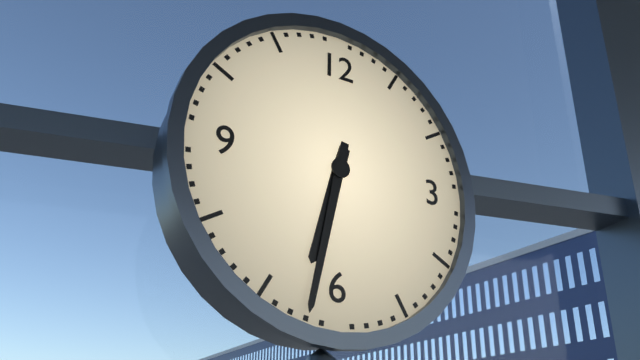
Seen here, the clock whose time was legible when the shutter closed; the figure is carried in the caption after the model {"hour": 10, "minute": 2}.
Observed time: {"hour": 6, "minute": 32}
